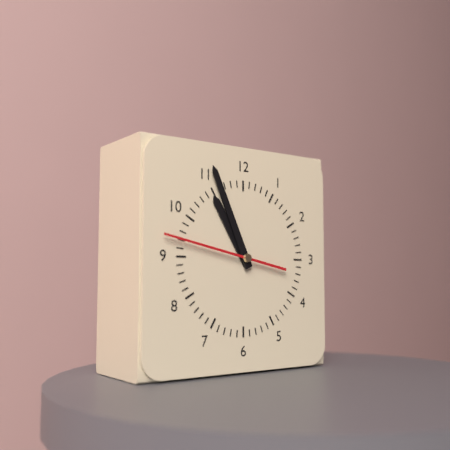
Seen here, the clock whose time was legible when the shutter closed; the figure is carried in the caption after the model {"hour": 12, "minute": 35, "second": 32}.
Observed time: {"hour": 10, "minute": 56, "second": 47}
